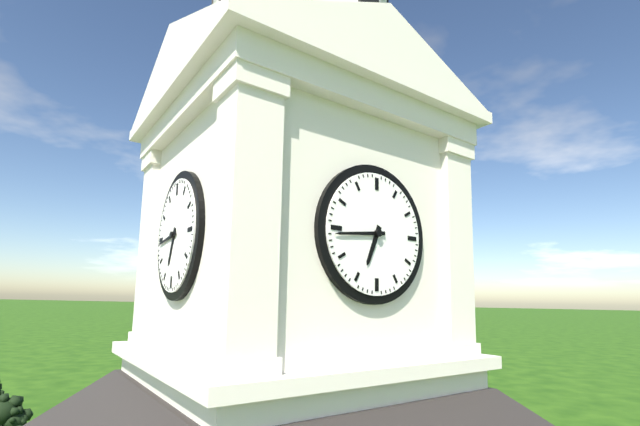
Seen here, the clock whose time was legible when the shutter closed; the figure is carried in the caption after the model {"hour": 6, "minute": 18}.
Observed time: {"hour": 6, "minute": 44}
